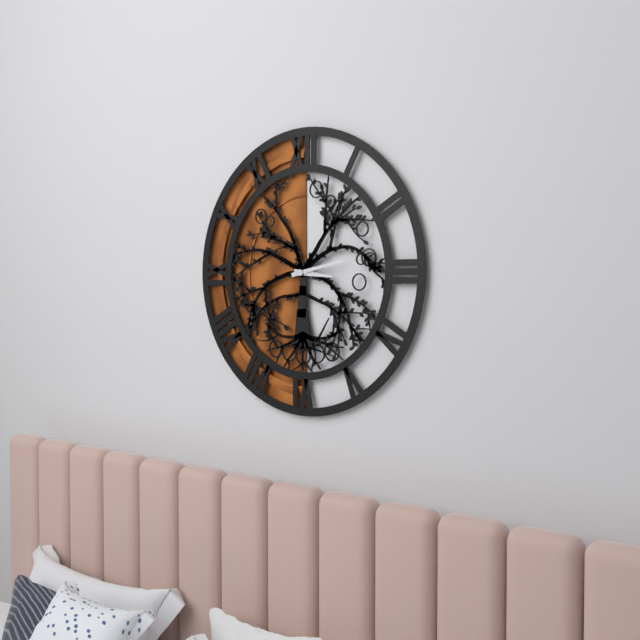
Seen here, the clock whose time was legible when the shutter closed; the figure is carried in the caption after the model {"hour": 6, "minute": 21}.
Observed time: {"hour": 3, "minute": 13}
